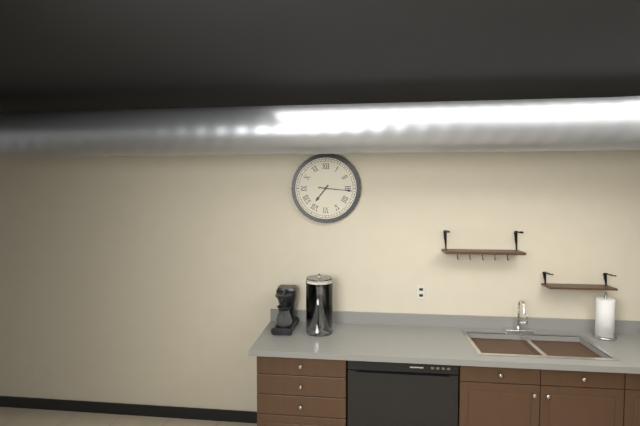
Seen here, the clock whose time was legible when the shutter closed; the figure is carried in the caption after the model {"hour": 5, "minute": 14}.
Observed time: {"hour": 7, "minute": 16}
